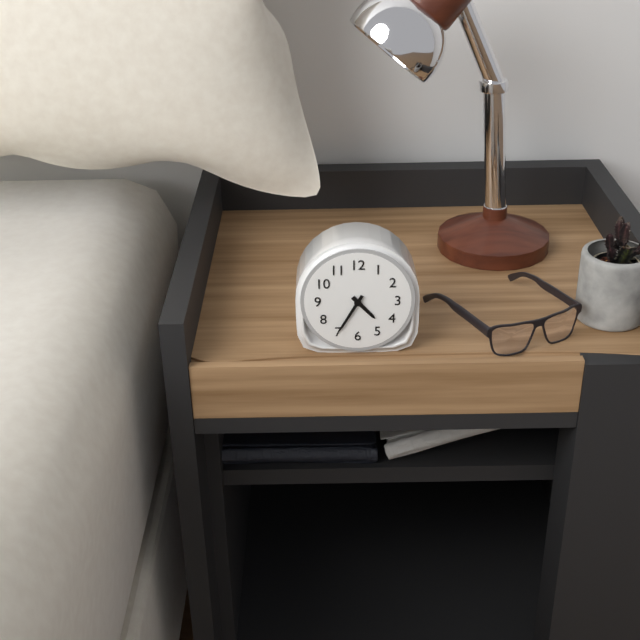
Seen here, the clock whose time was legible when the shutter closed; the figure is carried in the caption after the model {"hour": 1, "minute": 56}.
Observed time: {"hour": 4, "minute": 35}
